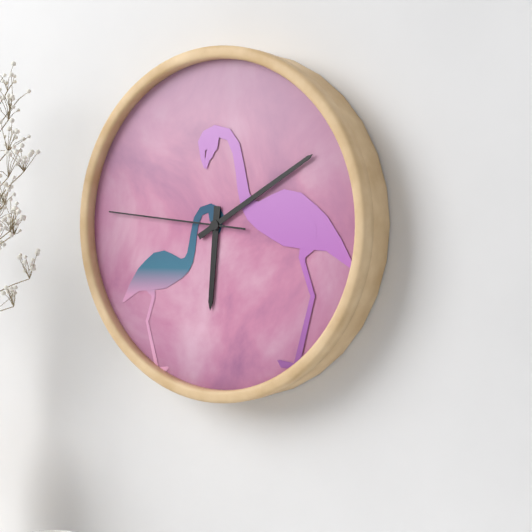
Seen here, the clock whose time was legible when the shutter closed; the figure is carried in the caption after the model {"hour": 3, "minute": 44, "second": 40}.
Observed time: {"hour": 6, "minute": 10, "second": 46}
